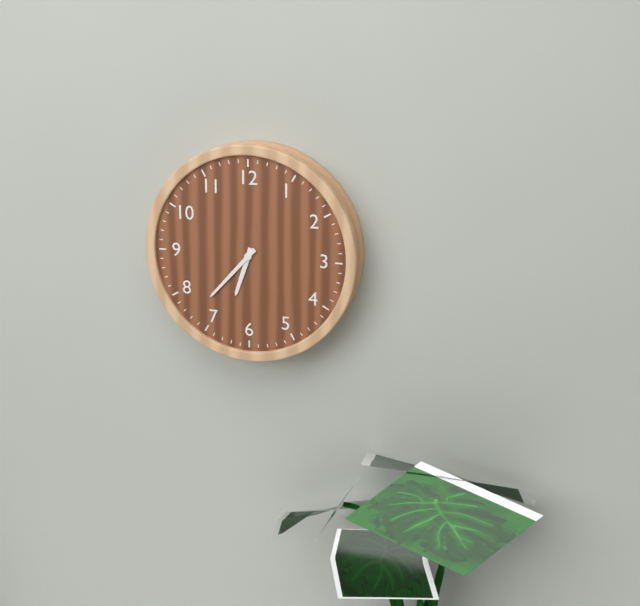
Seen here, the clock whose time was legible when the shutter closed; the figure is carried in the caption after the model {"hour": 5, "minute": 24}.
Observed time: {"hour": 6, "minute": 37}
